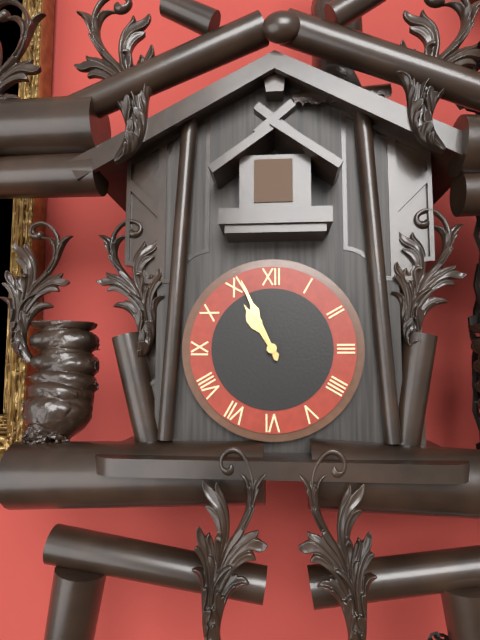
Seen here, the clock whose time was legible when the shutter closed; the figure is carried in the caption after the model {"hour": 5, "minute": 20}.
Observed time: {"hour": 10, "minute": 56}
